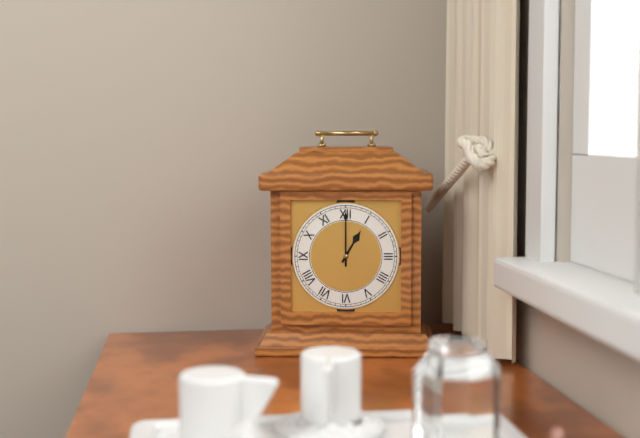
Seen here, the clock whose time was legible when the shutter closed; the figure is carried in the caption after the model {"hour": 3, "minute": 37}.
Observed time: {"hour": 1, "minute": 0}
